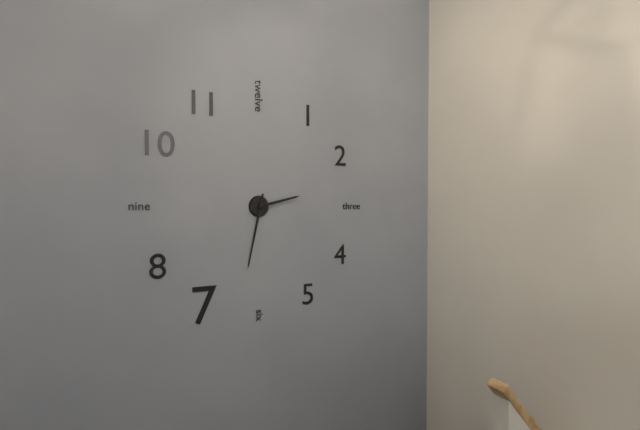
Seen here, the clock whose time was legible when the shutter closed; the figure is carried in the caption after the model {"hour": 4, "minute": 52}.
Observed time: {"hour": 2, "minute": 32}
